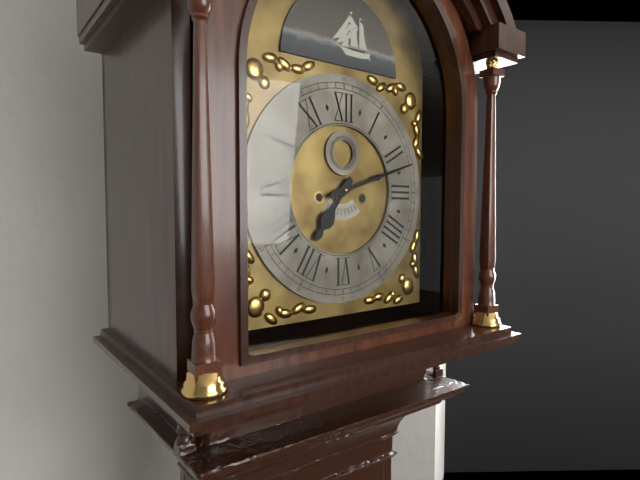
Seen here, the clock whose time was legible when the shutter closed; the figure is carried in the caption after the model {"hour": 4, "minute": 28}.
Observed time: {"hour": 7, "minute": 12}
